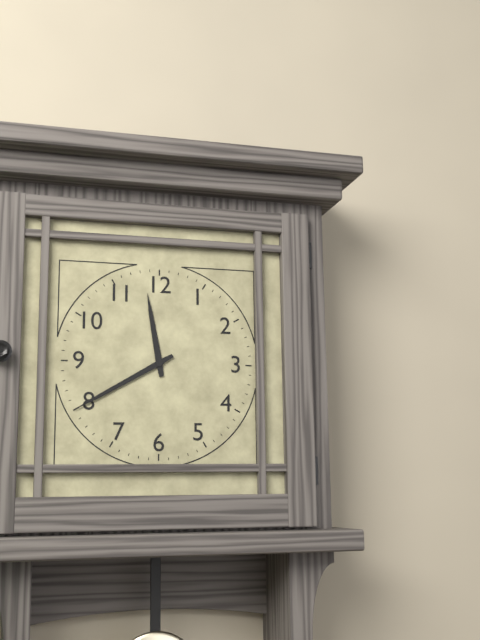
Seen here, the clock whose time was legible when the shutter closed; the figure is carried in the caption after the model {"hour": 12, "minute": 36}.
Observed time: {"hour": 11, "minute": 40}
